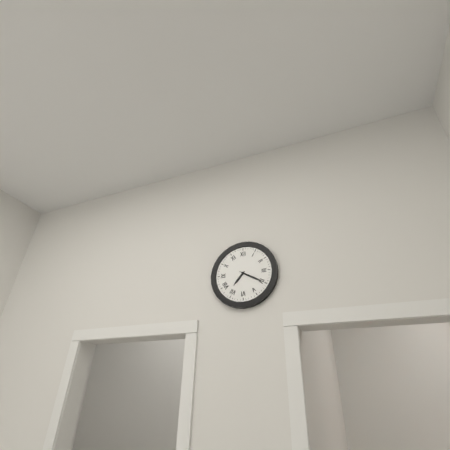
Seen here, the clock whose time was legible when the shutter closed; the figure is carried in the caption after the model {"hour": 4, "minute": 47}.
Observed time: {"hour": 7, "minute": 20}
